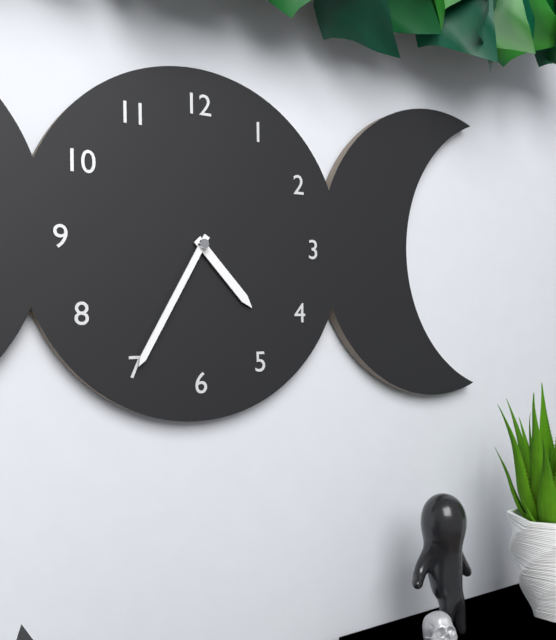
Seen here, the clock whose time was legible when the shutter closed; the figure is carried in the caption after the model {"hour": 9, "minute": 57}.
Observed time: {"hour": 4, "minute": 35}
